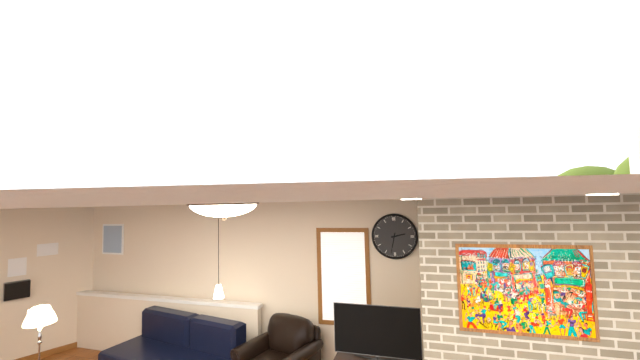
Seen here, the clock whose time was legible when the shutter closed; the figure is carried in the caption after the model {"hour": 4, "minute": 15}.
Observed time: {"hour": 2, "minute": 32}
